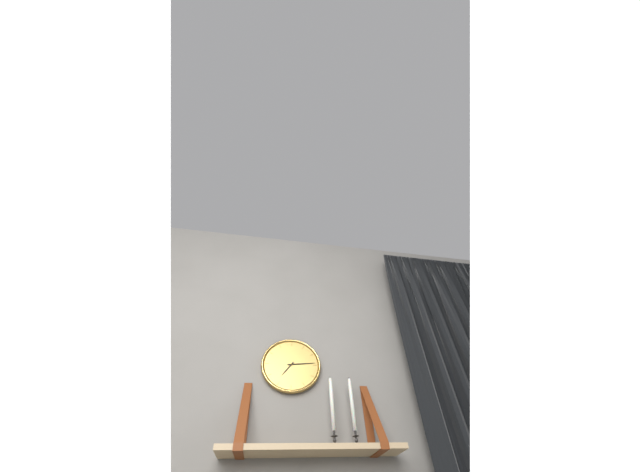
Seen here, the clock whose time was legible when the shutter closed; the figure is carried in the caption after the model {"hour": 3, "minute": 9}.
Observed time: {"hour": 7, "minute": 14}
